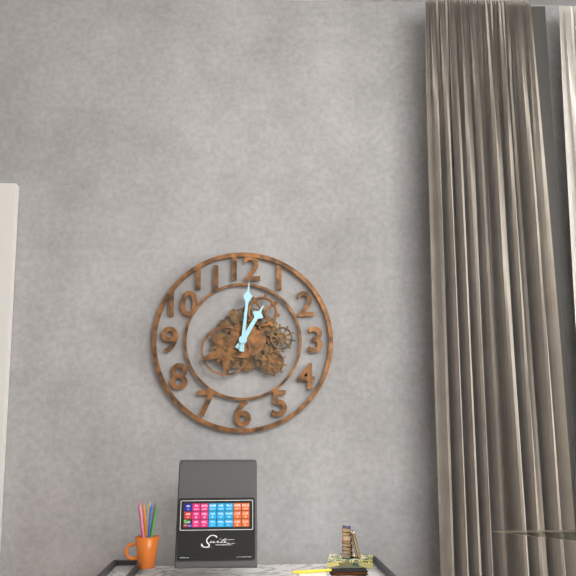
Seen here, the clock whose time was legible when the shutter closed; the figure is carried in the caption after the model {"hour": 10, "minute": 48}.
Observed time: {"hour": 1, "minute": 1}
